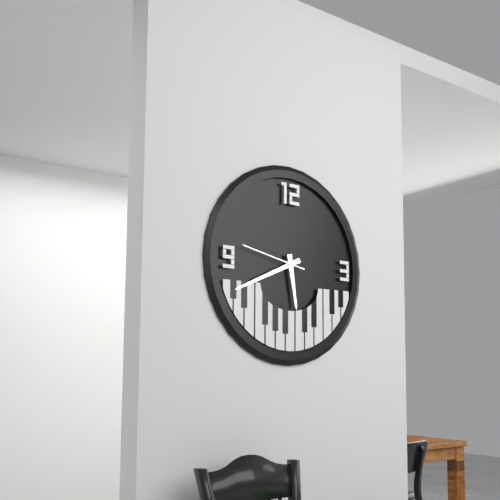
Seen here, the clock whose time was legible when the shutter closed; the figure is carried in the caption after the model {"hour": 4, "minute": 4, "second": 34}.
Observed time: {"hour": 5, "minute": 41, "second": 47}
